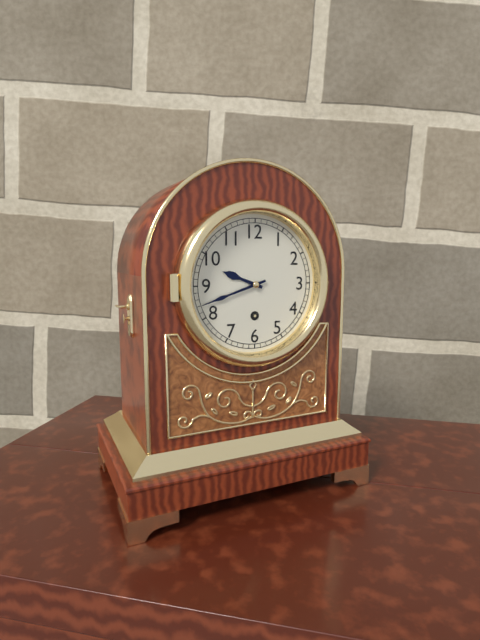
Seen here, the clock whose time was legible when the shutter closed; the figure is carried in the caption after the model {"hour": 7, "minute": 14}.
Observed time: {"hour": 9, "minute": 42}
